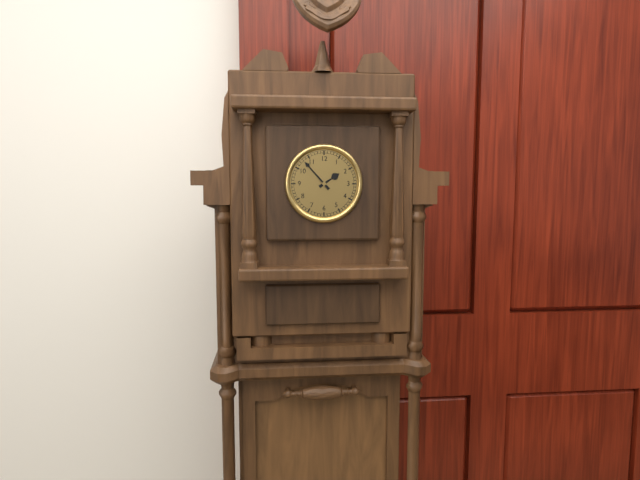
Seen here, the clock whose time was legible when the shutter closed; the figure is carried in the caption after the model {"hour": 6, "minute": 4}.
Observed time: {"hour": 1, "minute": 53}
